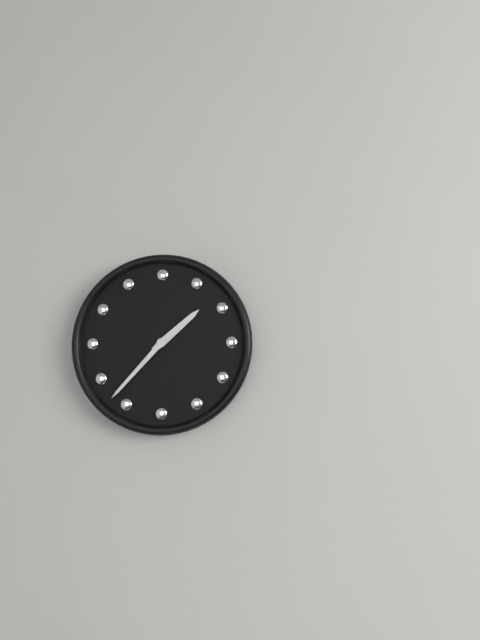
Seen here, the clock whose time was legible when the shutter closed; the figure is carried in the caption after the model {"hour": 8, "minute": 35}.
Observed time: {"hour": 1, "minute": 37}
